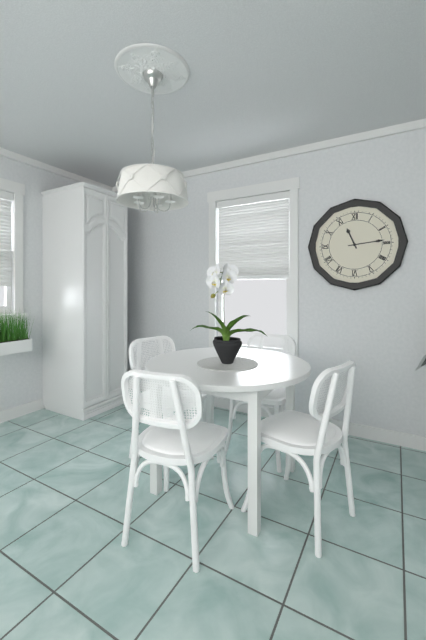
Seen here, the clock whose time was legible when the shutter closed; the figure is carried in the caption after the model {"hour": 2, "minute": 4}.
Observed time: {"hour": 11, "minute": 14}
